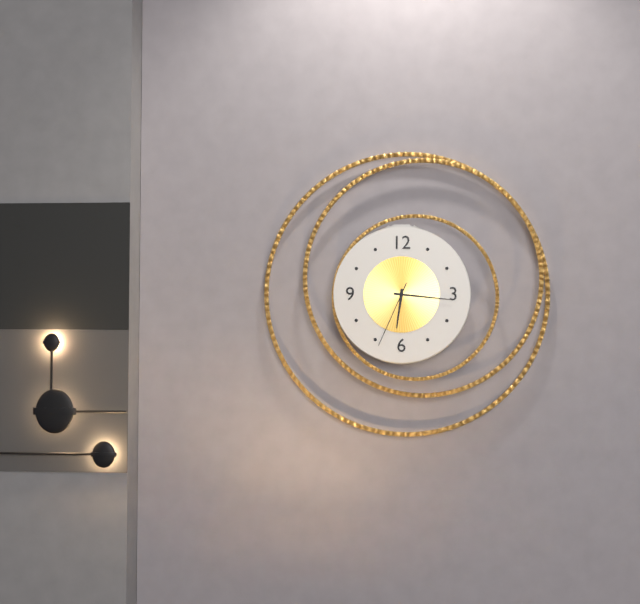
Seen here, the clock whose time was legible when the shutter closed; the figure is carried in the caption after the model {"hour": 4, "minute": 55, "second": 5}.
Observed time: {"hour": 6, "minute": 16, "second": 34}
